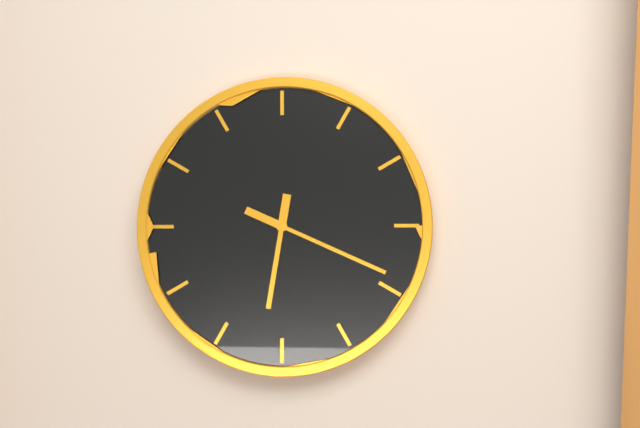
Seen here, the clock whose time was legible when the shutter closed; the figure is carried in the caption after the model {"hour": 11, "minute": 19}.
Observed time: {"hour": 6, "minute": 19}
